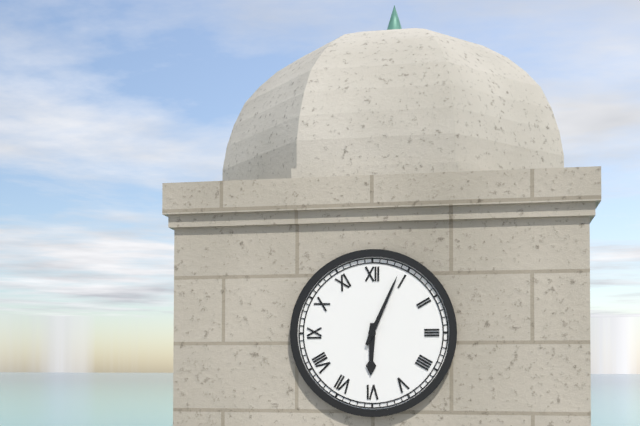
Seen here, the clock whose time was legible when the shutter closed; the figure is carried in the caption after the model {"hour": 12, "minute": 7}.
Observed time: {"hour": 6, "minute": 4}
